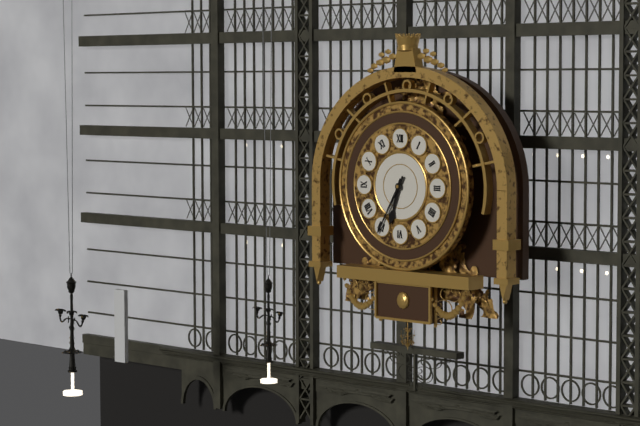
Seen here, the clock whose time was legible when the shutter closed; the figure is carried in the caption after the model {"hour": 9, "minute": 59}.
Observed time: {"hour": 6, "minute": 35}
